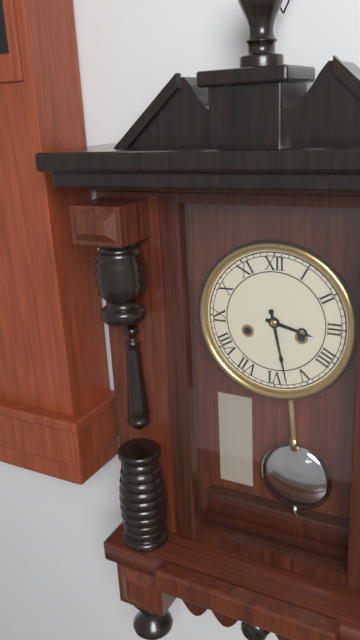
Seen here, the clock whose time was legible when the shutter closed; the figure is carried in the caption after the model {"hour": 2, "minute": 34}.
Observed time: {"hour": 3, "minute": 28}
